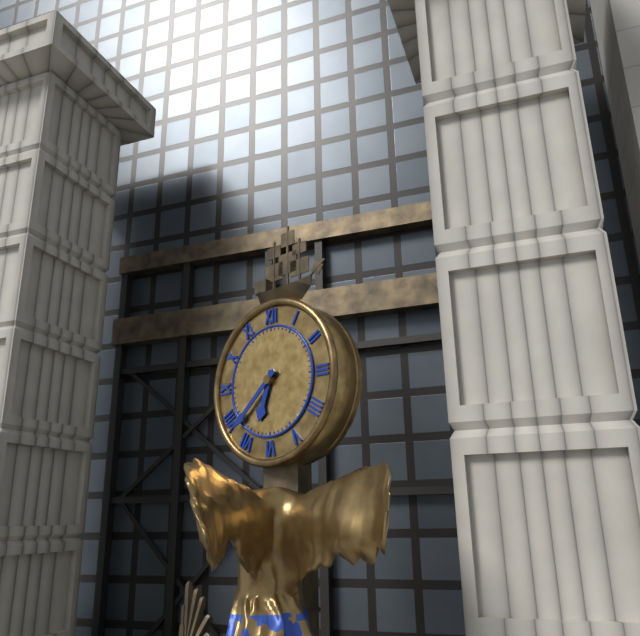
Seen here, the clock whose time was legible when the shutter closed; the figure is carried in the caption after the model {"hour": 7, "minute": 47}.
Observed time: {"hour": 6, "minute": 38}
